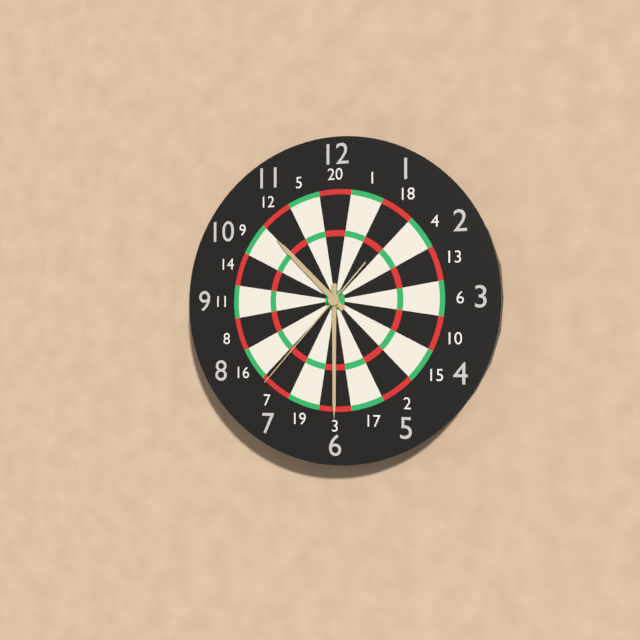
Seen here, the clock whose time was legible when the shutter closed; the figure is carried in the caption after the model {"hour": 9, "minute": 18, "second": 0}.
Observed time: {"hour": 10, "minute": 30, "second": 37}
